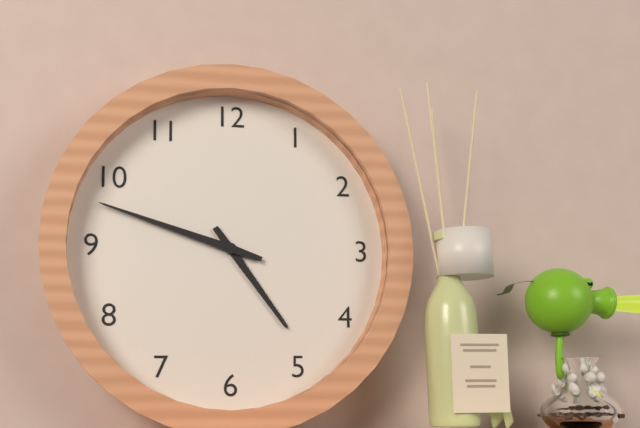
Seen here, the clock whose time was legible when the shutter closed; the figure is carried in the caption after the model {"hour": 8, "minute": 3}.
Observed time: {"hour": 4, "minute": 48}
